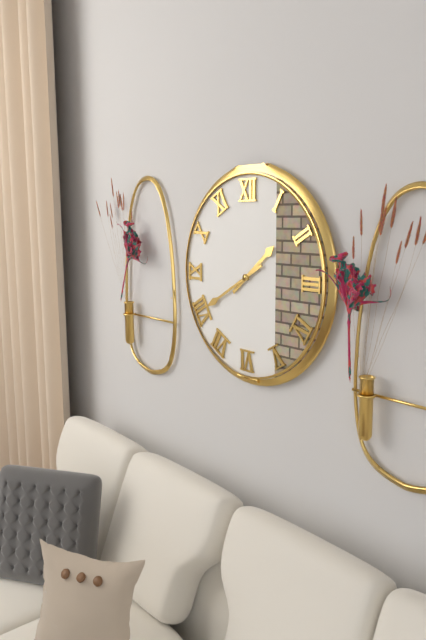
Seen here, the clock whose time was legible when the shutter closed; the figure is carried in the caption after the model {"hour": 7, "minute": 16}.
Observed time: {"hour": 1, "minute": 40}
